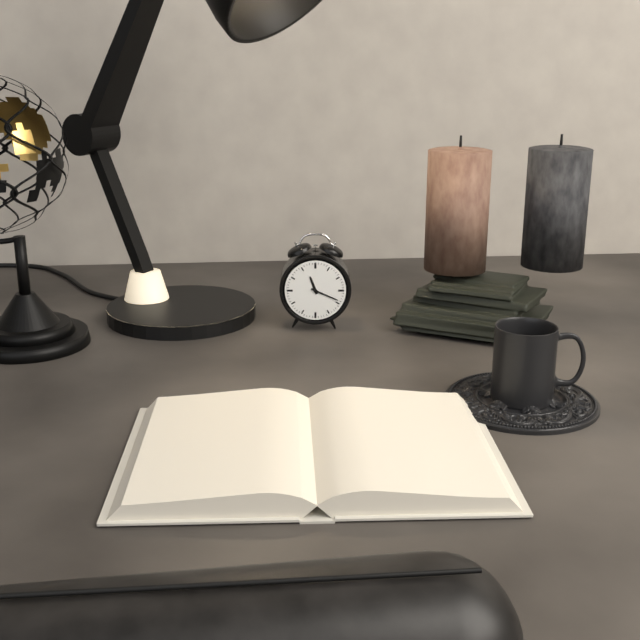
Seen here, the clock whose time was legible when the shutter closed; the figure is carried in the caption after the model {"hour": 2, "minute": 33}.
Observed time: {"hour": 11, "minute": 19}
